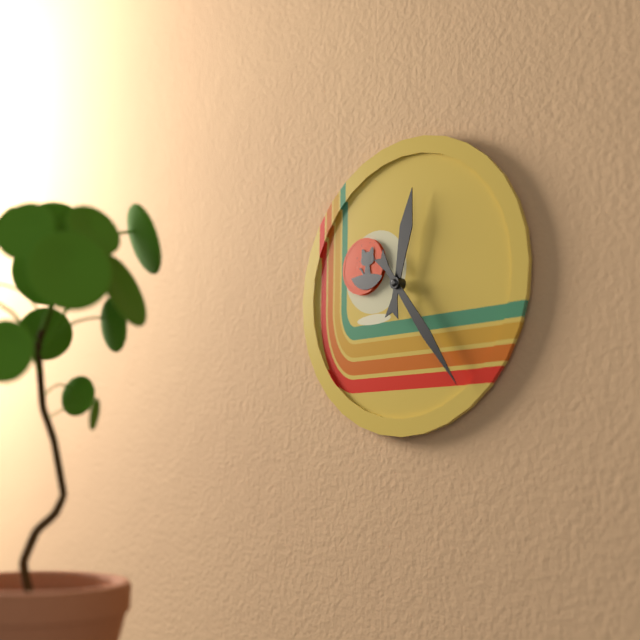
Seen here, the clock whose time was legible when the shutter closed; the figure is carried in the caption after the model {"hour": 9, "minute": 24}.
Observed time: {"hour": 12, "minute": 24}
